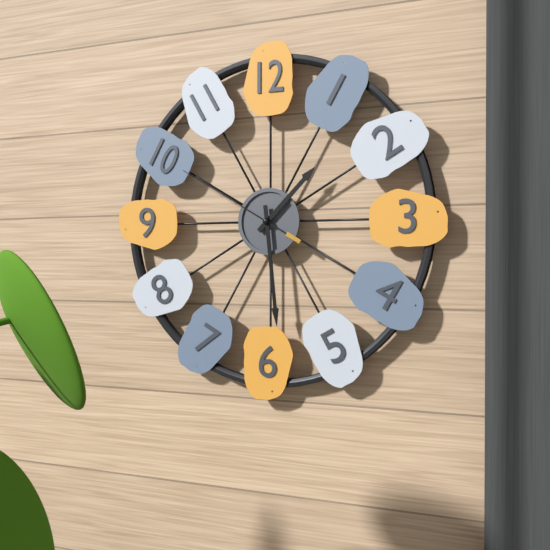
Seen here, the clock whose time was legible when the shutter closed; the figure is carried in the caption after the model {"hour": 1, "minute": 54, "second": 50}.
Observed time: {"hour": 1, "minute": 29, "second": 50}
